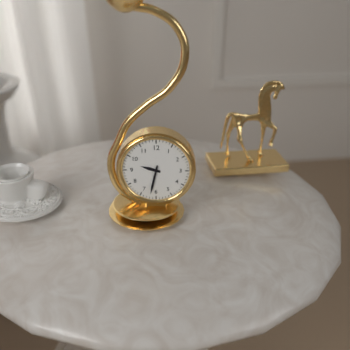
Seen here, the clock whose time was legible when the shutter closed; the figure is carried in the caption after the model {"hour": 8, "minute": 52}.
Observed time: {"hour": 9, "minute": 32}
